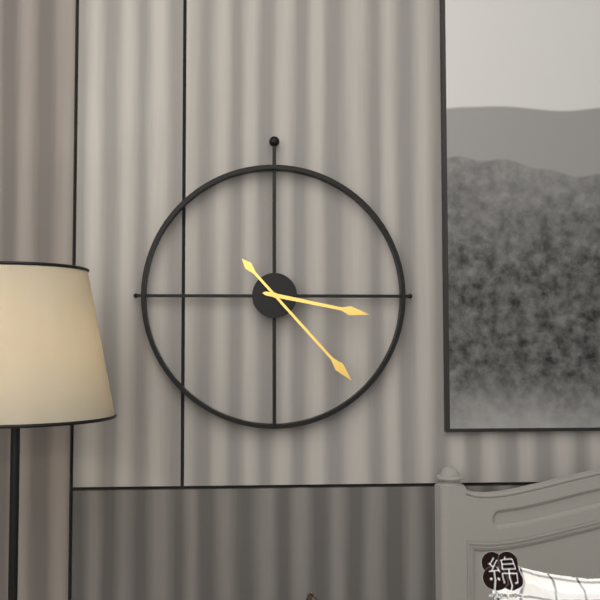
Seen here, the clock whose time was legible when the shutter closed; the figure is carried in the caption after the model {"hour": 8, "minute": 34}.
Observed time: {"hour": 3, "minute": 23}
